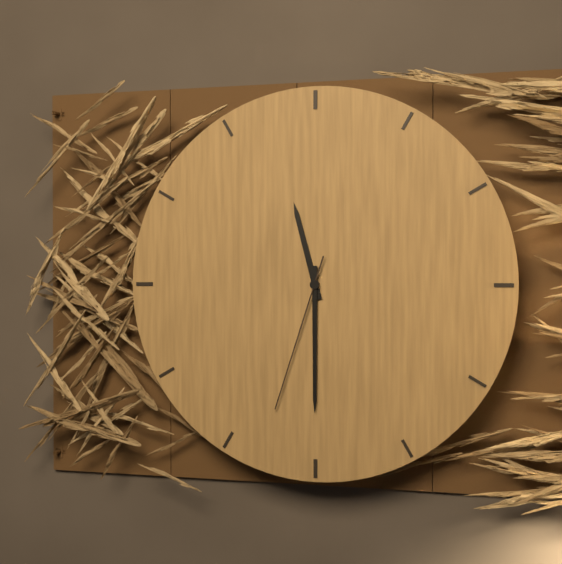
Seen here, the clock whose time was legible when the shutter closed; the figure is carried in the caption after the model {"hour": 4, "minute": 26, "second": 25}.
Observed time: {"hour": 11, "minute": 30, "second": 33}
